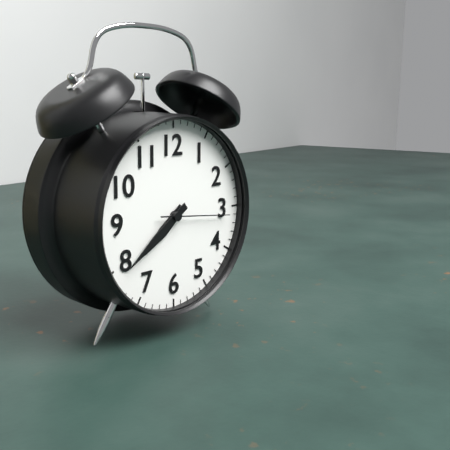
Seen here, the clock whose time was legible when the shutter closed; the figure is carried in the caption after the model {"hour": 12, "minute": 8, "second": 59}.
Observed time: {"hour": 7, "minute": 39, "second": 16}
